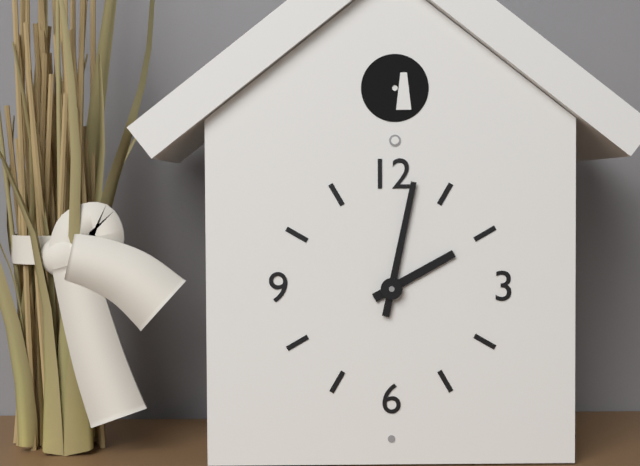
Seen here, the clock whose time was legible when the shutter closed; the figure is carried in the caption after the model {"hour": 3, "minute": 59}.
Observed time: {"hour": 2, "minute": 2}
